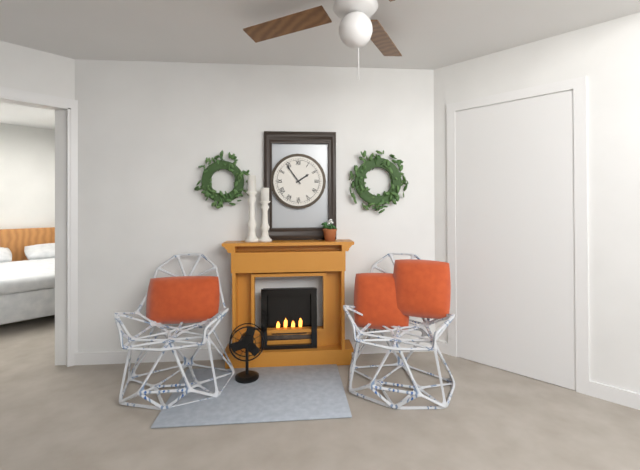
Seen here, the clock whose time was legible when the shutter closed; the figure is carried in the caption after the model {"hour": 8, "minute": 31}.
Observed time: {"hour": 1, "minute": 54}
